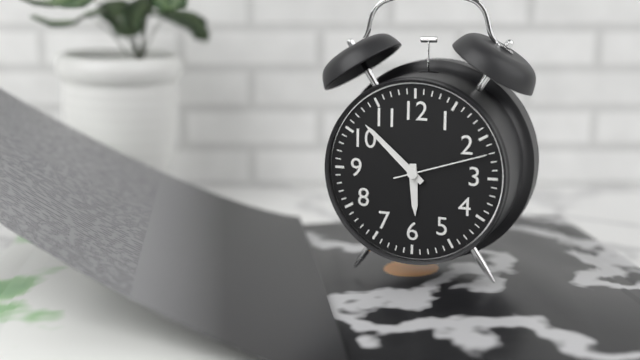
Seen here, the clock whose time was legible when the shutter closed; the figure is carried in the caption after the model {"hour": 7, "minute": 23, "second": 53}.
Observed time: {"hour": 5, "minute": 52, "second": 12}
